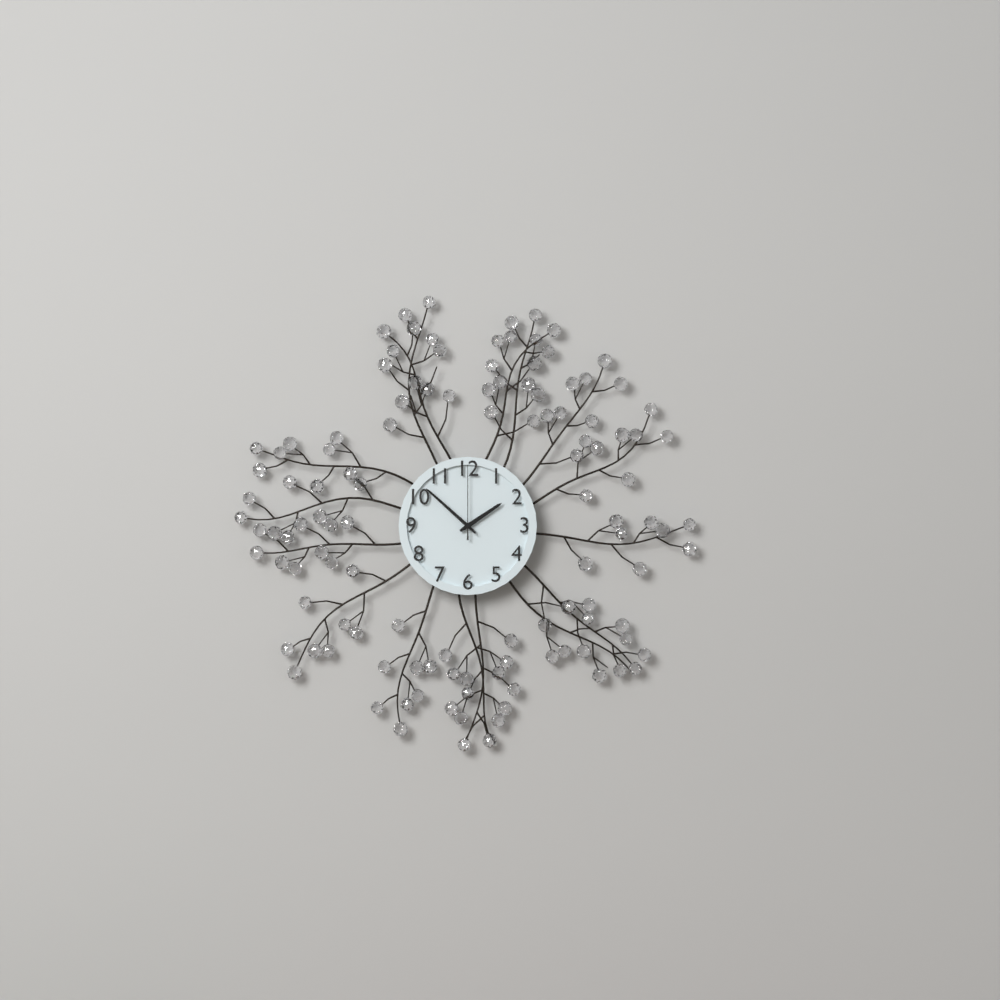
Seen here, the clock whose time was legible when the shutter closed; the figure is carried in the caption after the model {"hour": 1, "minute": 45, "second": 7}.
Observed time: {"hour": 1, "minute": 52, "second": 0}
